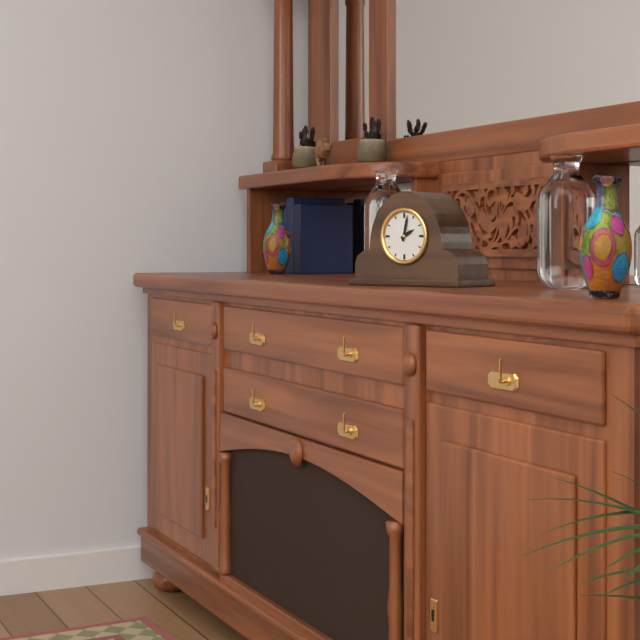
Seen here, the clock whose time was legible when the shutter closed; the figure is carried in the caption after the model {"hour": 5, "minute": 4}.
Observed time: {"hour": 2, "minute": 2}
